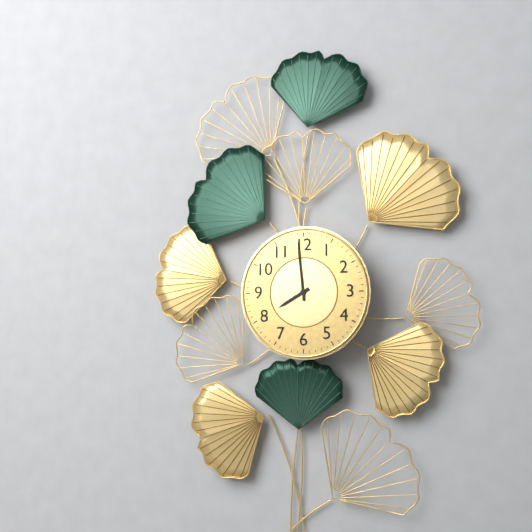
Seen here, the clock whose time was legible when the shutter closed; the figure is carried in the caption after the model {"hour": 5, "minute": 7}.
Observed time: {"hour": 7, "minute": 59}
